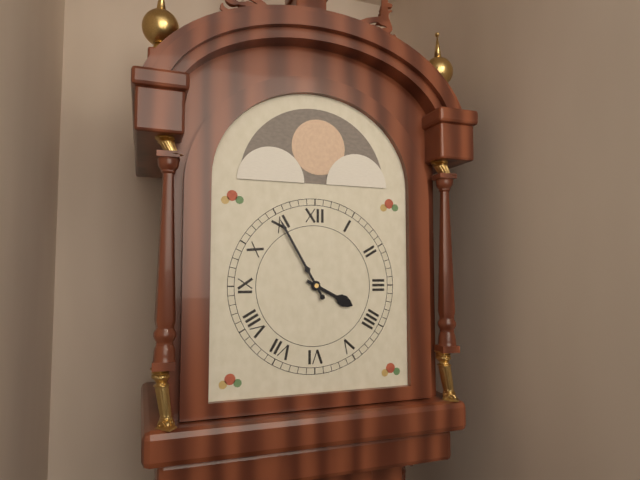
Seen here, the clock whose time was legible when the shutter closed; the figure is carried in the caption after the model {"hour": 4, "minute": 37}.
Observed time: {"hour": 3, "minute": 55}
